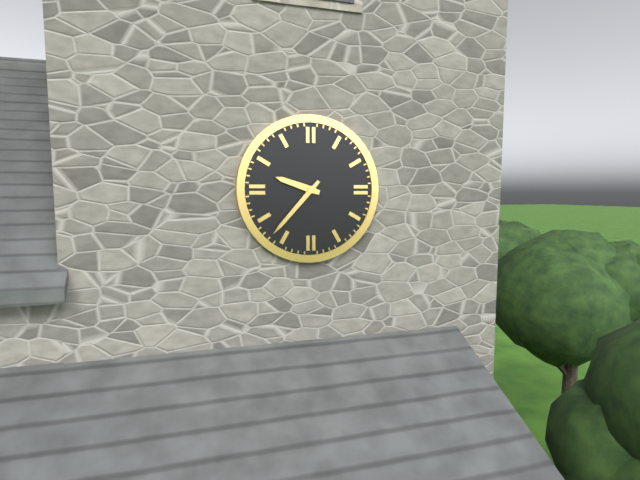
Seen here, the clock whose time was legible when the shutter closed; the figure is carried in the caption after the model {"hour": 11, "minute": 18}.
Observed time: {"hour": 9, "minute": 37}
